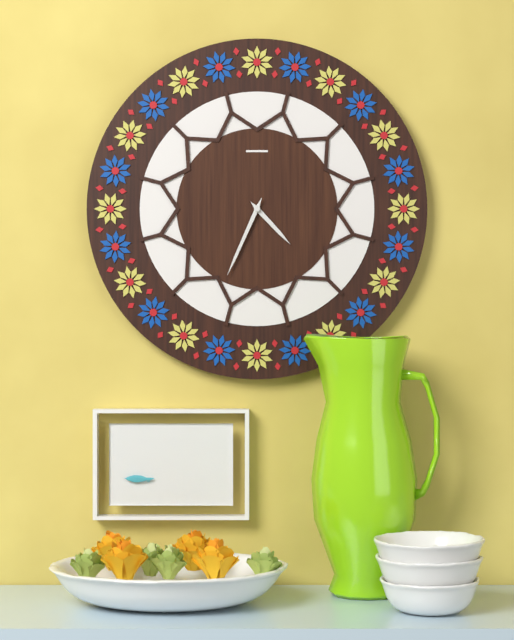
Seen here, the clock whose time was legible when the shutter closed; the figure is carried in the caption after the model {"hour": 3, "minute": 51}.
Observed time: {"hour": 4, "minute": 34}
